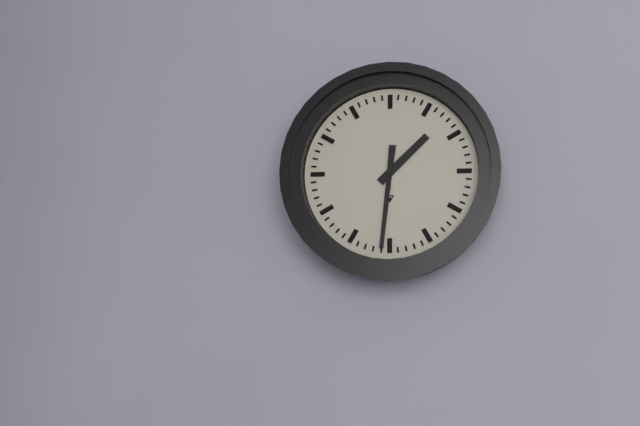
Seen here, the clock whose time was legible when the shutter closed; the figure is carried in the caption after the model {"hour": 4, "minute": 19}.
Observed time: {"hour": 1, "minute": 31}
